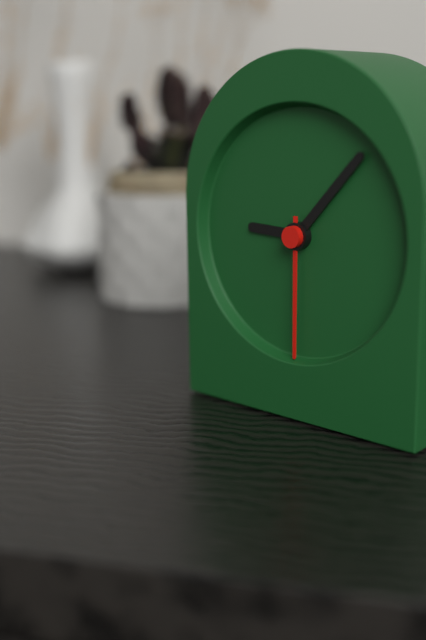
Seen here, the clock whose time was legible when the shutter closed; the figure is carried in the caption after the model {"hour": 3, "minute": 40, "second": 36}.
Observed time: {"hour": 9, "minute": 7, "second": 30}
